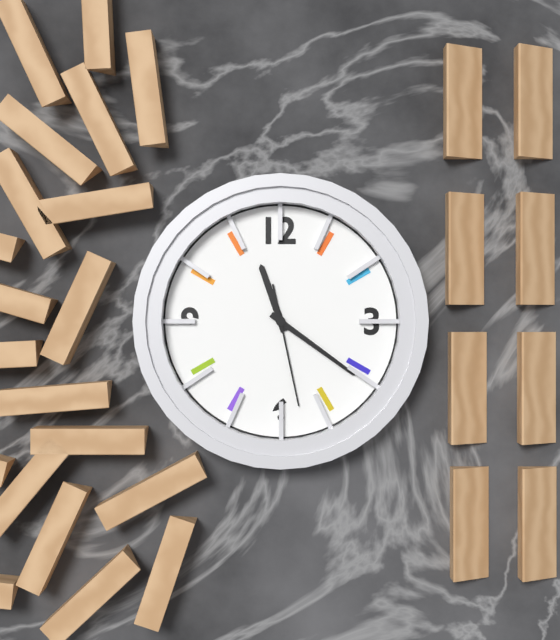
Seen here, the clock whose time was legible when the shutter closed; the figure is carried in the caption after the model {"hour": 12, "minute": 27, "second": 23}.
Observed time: {"hour": 11, "minute": 21, "second": 28}
